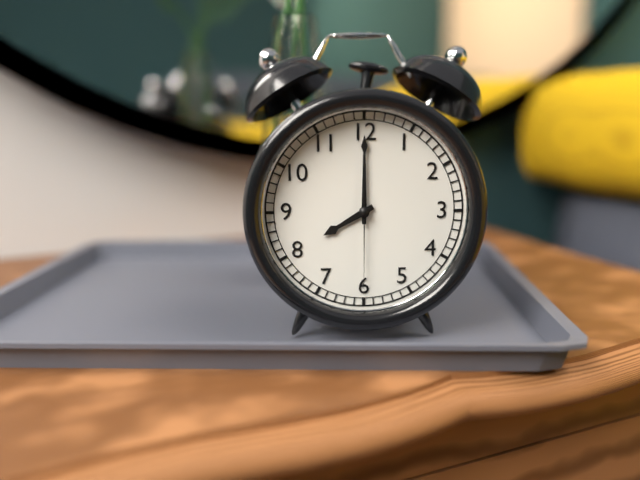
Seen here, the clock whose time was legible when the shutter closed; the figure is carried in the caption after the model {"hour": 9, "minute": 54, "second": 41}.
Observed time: {"hour": 8, "minute": 0, "second": 30}
